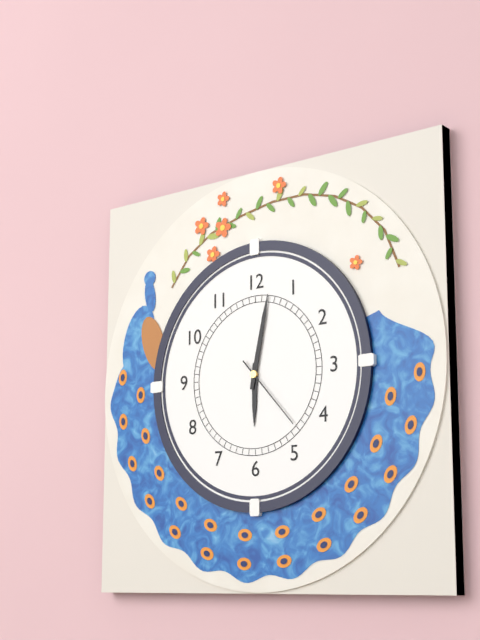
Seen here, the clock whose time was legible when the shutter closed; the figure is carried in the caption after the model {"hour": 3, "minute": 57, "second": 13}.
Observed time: {"hour": 6, "minute": 2, "second": 23}
